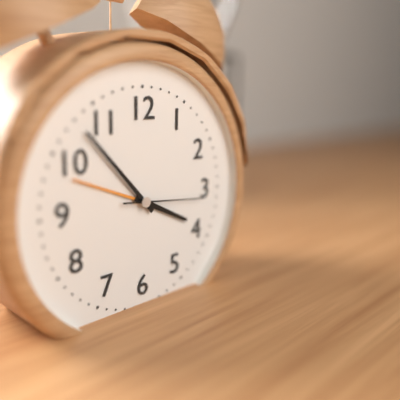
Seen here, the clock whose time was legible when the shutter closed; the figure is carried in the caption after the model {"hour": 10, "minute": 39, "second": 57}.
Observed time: {"hour": 3, "minute": 53, "second": 16}
